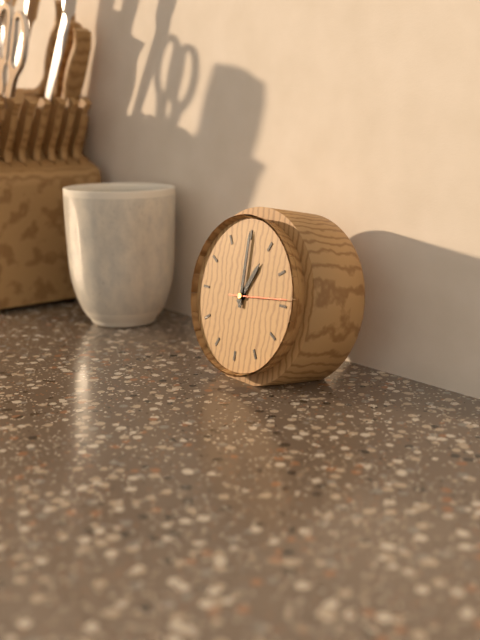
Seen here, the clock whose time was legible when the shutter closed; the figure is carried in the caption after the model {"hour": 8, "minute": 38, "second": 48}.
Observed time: {"hour": 1, "minute": 0, "second": 14}
